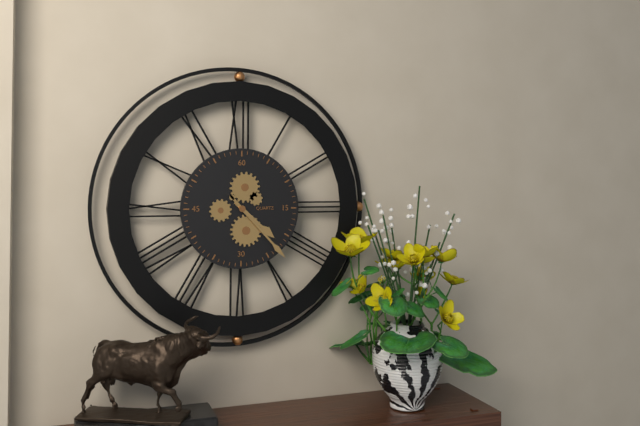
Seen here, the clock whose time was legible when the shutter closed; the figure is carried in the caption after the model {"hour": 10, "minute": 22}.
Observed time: {"hour": 4, "minute": 23}
